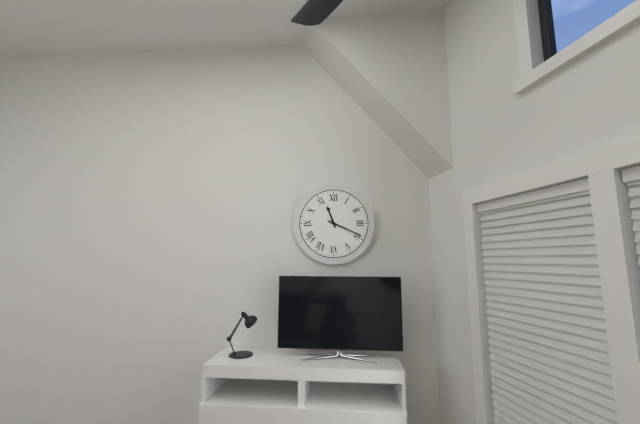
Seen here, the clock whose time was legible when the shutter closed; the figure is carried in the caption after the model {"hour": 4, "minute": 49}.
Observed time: {"hour": 11, "minute": 19}
